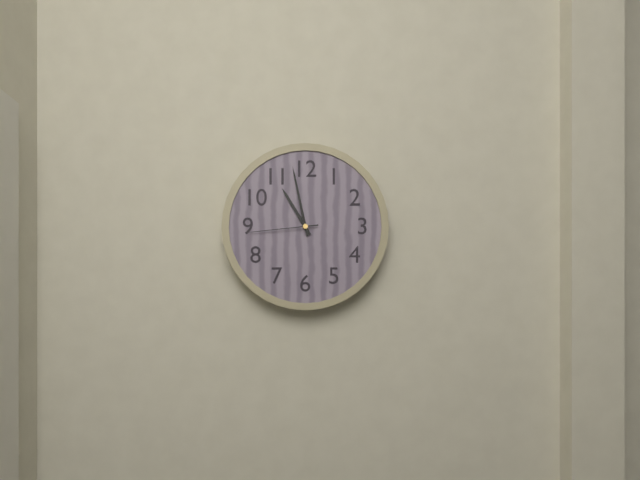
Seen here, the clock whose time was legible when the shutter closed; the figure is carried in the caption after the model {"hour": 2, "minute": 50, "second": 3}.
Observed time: {"hour": 10, "minute": 58, "second": 44}
